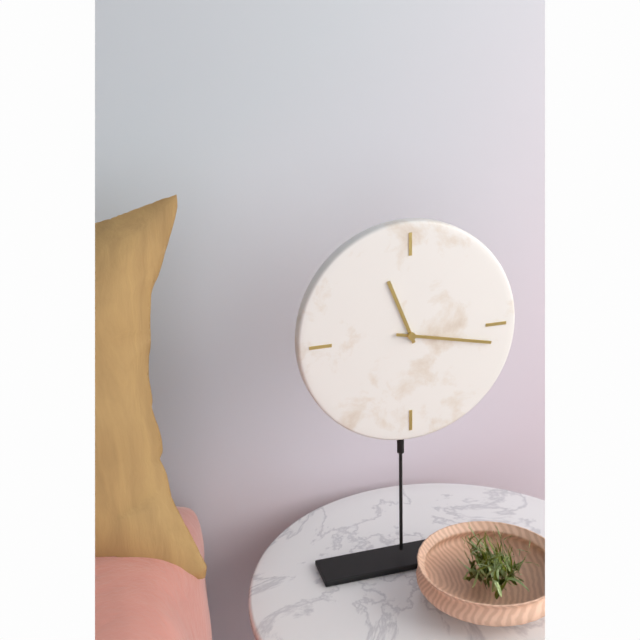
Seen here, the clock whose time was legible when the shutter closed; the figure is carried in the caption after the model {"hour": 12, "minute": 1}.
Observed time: {"hour": 11, "minute": 17}
